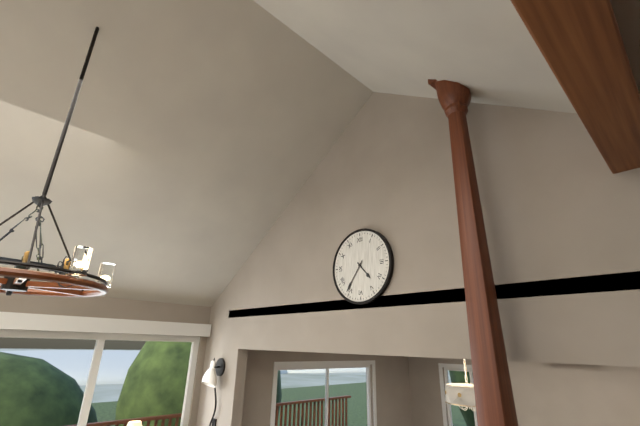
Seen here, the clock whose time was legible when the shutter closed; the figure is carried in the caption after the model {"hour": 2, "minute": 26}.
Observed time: {"hour": 4, "minute": 36}
